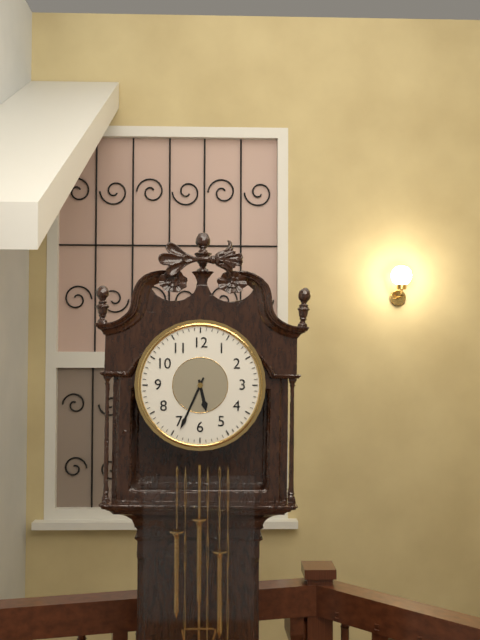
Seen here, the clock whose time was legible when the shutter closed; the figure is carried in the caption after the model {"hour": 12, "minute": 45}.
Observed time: {"hour": 5, "minute": 34}
